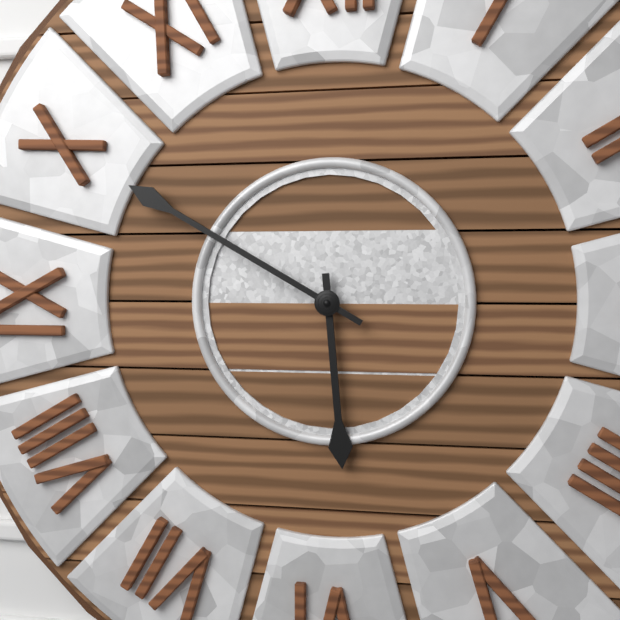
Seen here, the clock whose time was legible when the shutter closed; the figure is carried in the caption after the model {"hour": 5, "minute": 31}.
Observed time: {"hour": 5, "minute": 50}
